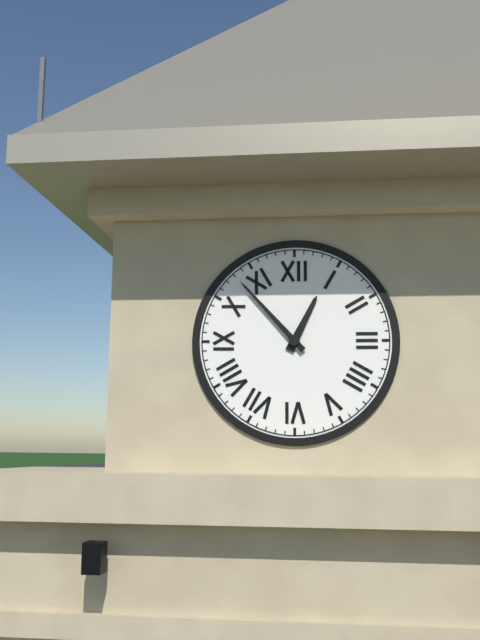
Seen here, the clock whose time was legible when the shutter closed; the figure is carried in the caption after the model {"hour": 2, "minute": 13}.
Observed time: {"hour": 12, "minute": 53}
